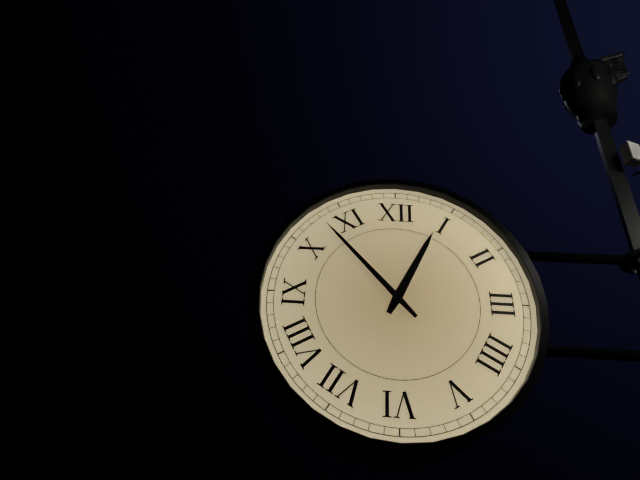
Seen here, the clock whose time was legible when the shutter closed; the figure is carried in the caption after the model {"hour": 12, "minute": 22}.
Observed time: {"hour": 12, "minute": 53}
